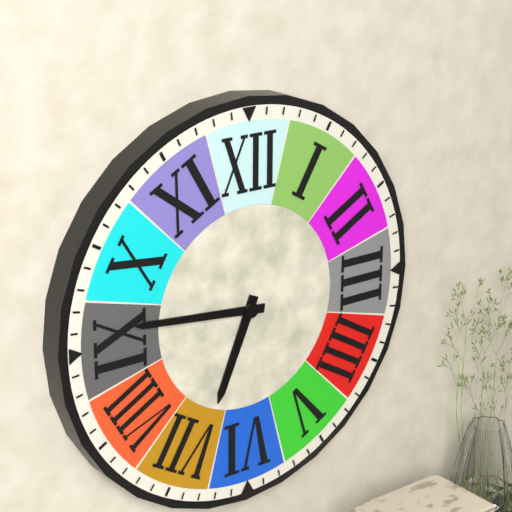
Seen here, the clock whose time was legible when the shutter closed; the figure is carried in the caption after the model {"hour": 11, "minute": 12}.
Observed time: {"hour": 6, "minute": 46}
